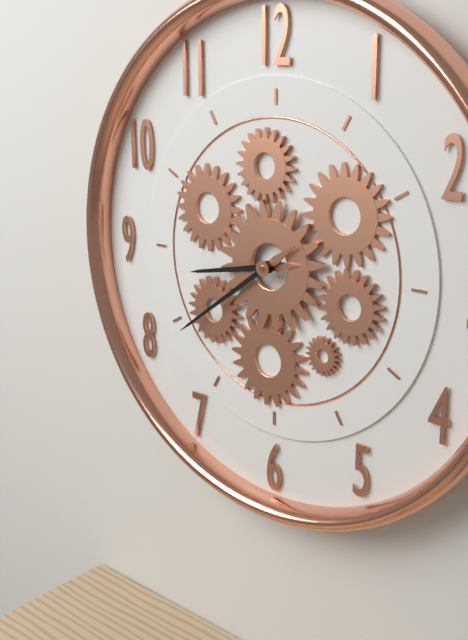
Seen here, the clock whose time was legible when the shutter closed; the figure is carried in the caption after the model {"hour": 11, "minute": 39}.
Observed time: {"hour": 8, "minute": 39}
